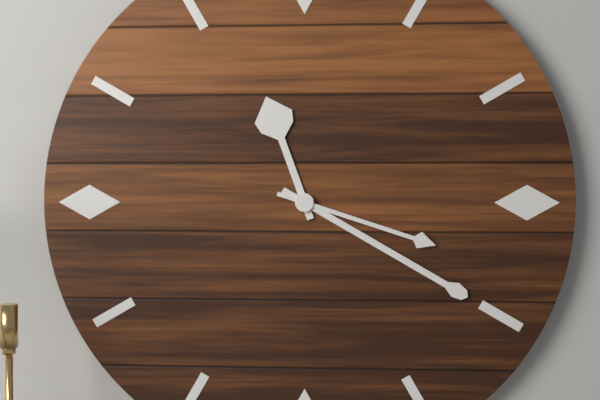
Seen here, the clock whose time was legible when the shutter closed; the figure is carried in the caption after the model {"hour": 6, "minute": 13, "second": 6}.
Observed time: {"hour": 11, "minute": 20, "second": 18}
